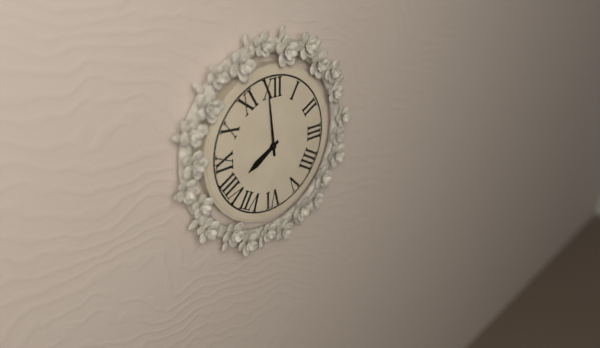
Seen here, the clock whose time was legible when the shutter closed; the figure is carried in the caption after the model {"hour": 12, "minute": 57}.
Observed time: {"hour": 7, "minute": 59}
